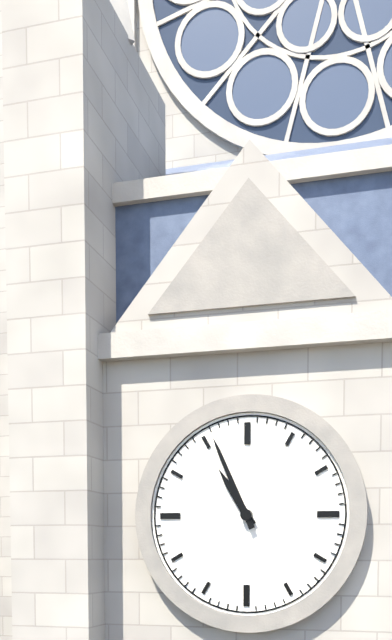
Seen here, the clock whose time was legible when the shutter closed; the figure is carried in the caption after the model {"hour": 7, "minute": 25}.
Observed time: {"hour": 10, "minute": 56}
